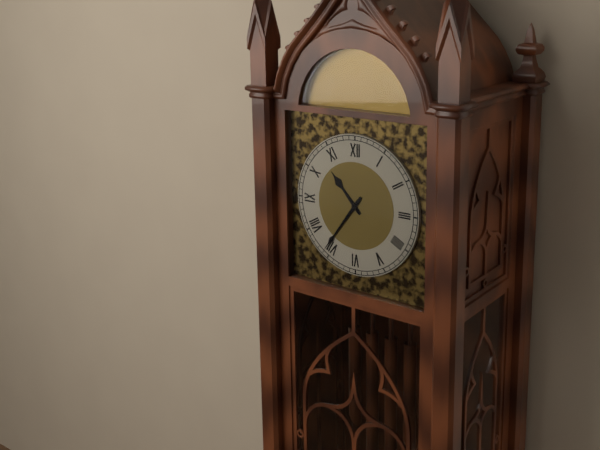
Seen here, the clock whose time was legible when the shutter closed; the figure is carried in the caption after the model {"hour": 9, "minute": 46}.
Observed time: {"hour": 10, "minute": 36}
